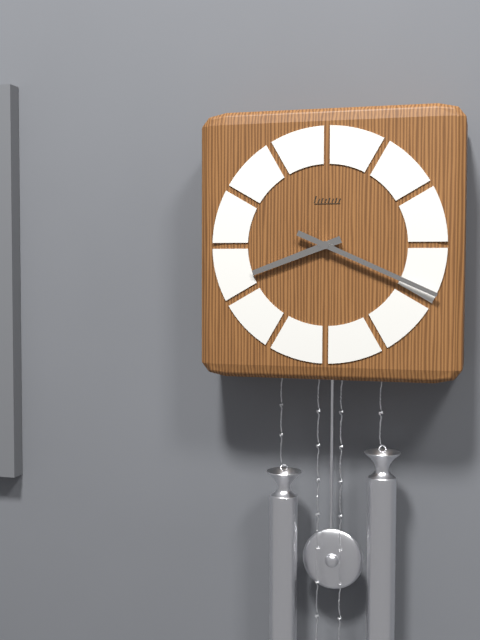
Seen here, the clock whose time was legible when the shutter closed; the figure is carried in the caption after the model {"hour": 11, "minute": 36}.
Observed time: {"hour": 8, "minute": 19}
